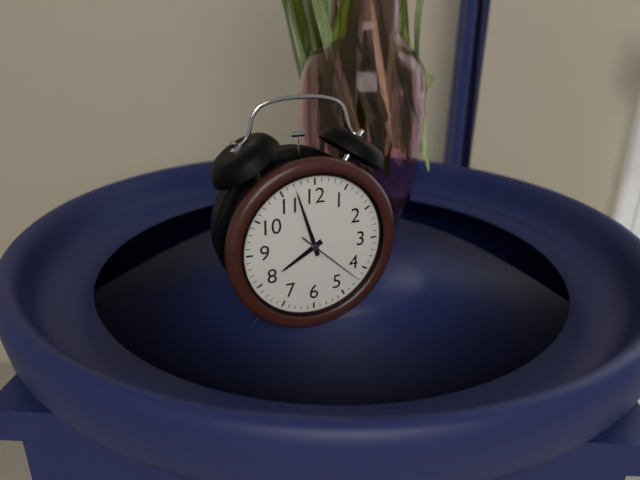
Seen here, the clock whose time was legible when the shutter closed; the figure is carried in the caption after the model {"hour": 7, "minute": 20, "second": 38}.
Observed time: {"hour": 7, "minute": 57, "second": 22}
